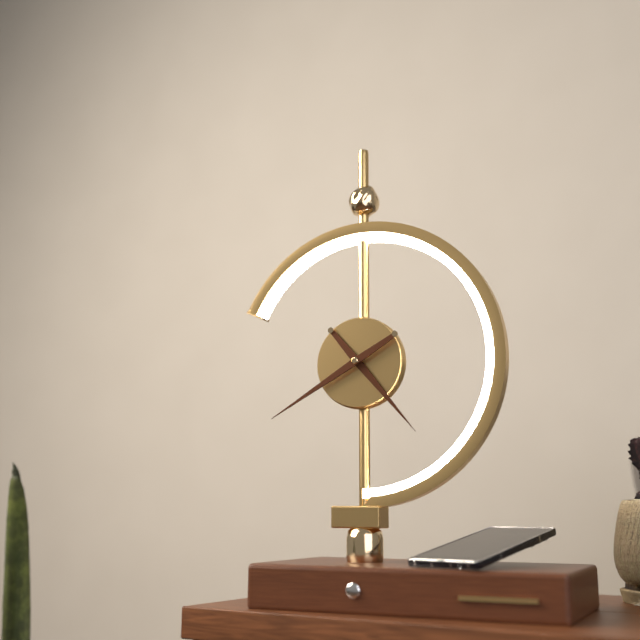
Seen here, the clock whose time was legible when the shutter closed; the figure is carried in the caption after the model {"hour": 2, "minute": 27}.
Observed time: {"hour": 4, "minute": 40}
